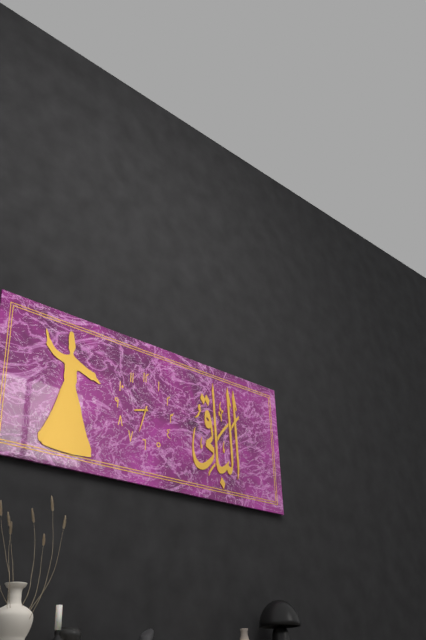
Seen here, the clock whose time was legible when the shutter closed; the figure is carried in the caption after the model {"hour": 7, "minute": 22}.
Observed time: {"hour": 8, "minute": 33}
